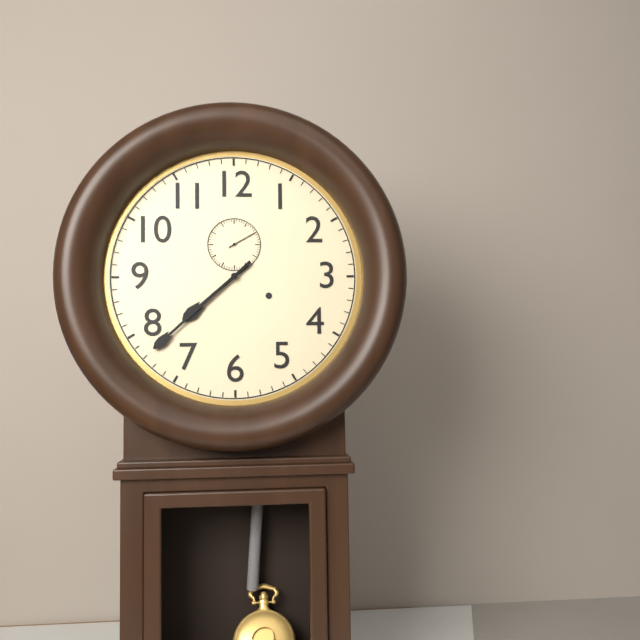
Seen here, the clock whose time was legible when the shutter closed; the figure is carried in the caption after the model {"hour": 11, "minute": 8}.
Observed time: {"hour": 7, "minute": 38}
